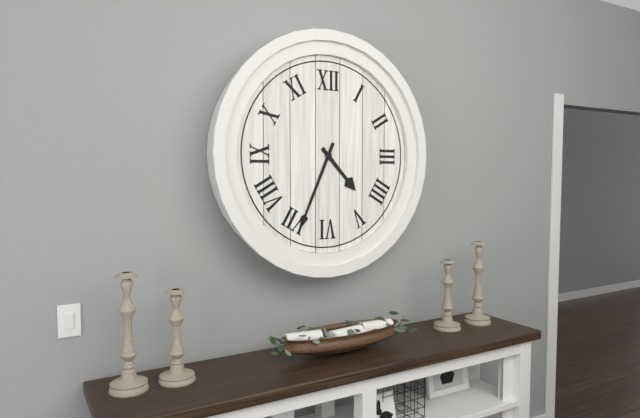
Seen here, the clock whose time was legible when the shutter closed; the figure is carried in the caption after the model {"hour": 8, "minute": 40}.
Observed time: {"hour": 4, "minute": 34}
